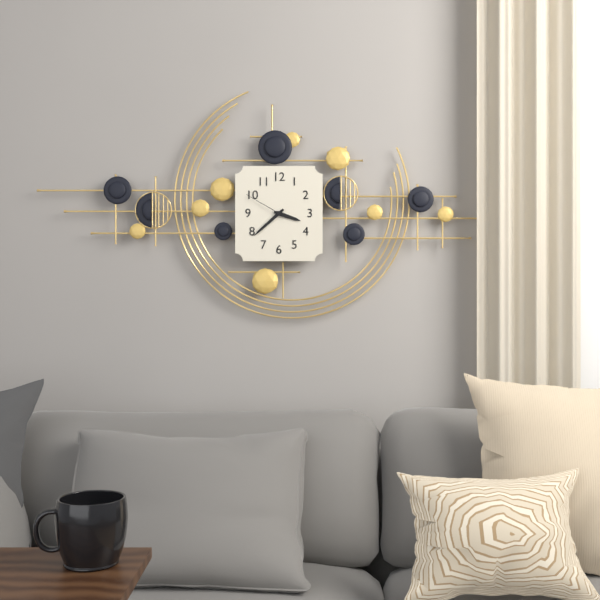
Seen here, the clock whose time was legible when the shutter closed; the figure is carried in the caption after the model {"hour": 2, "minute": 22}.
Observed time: {"hour": 3, "minute": 38}
